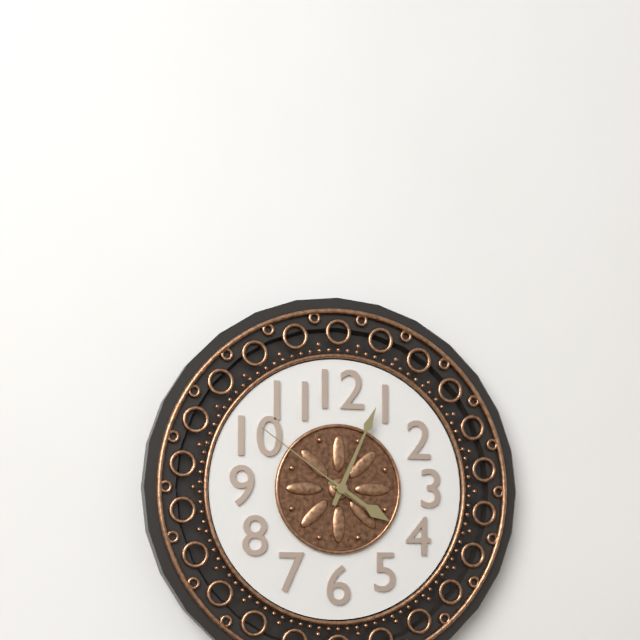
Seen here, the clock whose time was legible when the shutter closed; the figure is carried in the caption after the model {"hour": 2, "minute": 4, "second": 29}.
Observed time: {"hour": 4, "minute": 4, "second": 51}
